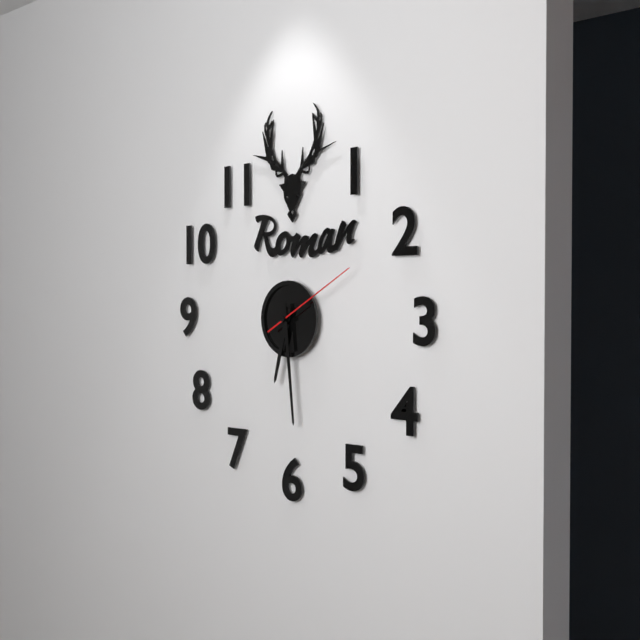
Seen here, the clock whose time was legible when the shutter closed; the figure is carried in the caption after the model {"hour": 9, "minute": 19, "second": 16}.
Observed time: {"hour": 6, "minute": 29, "second": 10}
